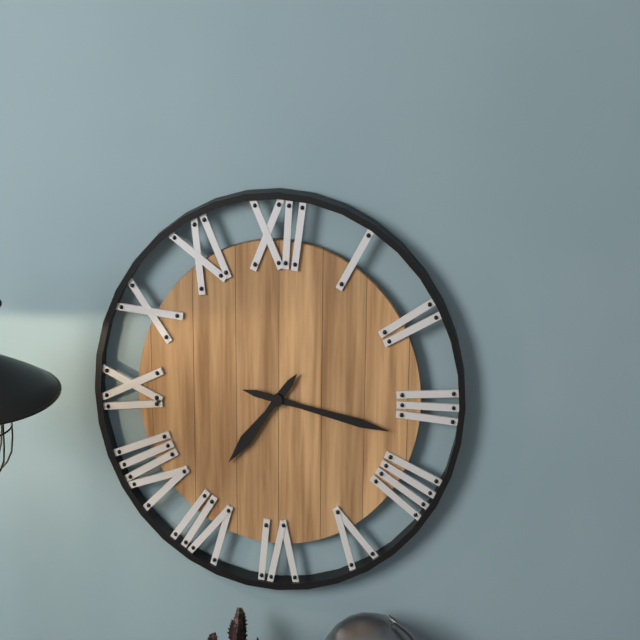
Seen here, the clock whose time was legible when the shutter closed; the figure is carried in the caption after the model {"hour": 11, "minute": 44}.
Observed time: {"hour": 7, "minute": 17}
